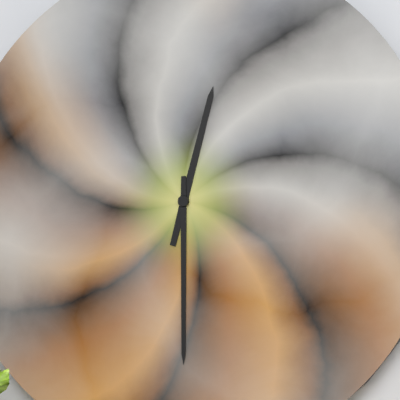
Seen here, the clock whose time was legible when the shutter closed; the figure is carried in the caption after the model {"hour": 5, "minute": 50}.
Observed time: {"hour": 12, "minute": 30}
